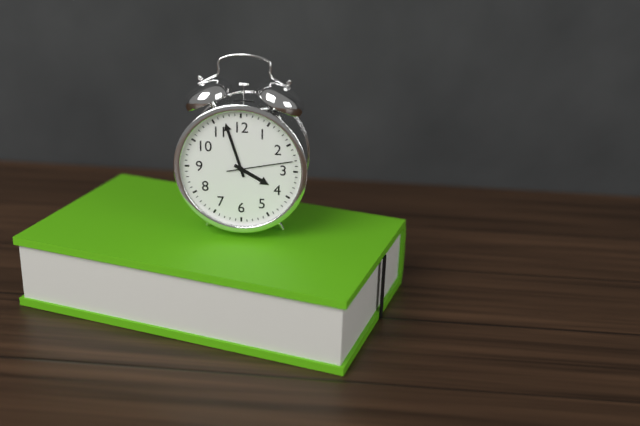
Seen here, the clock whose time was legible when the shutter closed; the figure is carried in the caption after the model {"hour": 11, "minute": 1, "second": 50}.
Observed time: {"hour": 3, "minute": 57, "second": 13}
